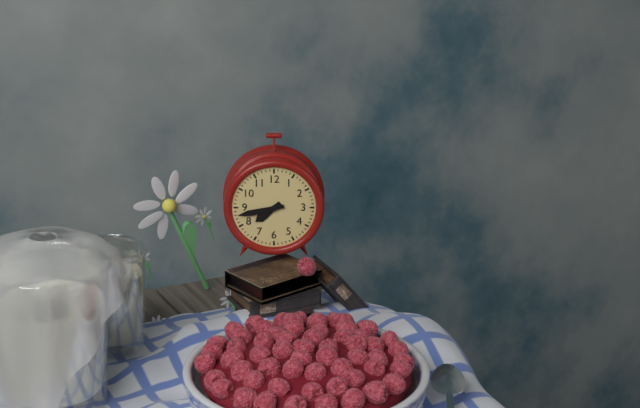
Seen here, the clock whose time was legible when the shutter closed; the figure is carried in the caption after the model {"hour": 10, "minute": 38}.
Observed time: {"hour": 7, "minute": 43}
